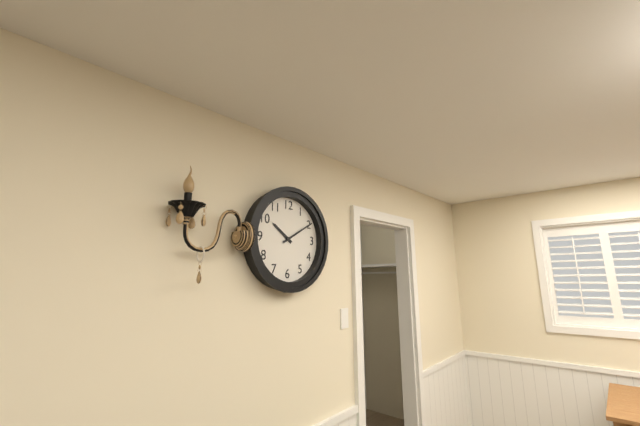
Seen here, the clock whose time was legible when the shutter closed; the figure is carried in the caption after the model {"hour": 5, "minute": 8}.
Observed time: {"hour": 10, "minute": 10}
